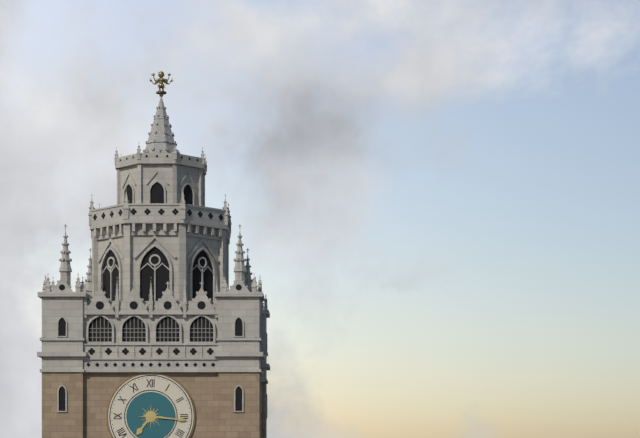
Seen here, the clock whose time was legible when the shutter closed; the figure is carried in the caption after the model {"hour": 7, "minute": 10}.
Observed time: {"hour": 7, "minute": 16}
